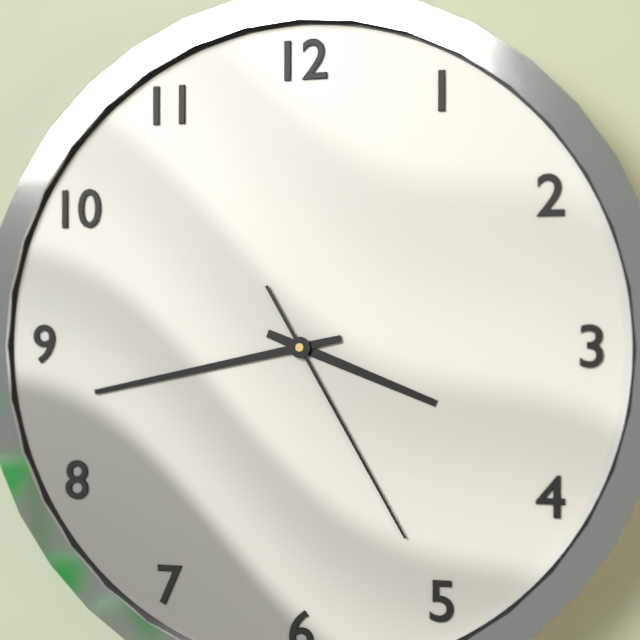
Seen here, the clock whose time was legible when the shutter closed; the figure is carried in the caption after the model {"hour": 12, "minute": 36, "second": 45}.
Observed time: {"hour": 3, "minute": 43, "second": 25}
